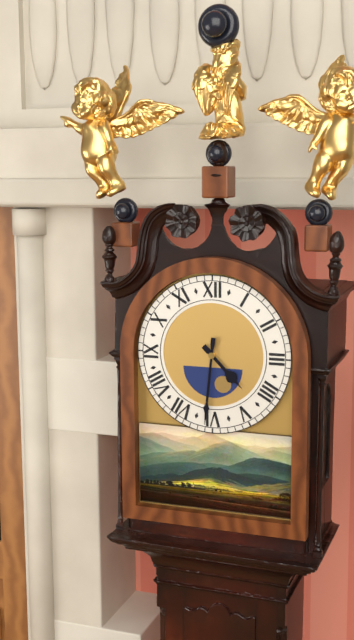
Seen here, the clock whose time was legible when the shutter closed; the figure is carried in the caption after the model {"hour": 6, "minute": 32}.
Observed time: {"hour": 4, "minute": 31}
